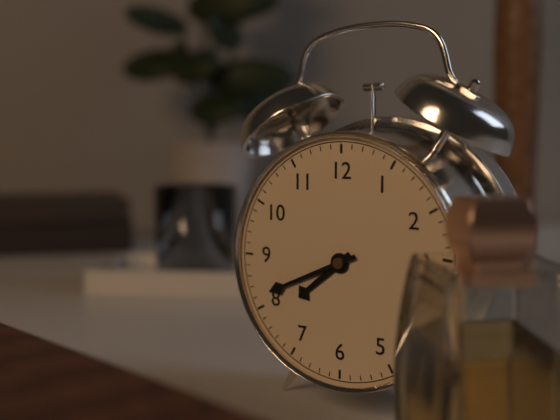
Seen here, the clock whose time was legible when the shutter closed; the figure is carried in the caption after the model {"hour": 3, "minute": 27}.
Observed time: {"hour": 7, "minute": 41}
